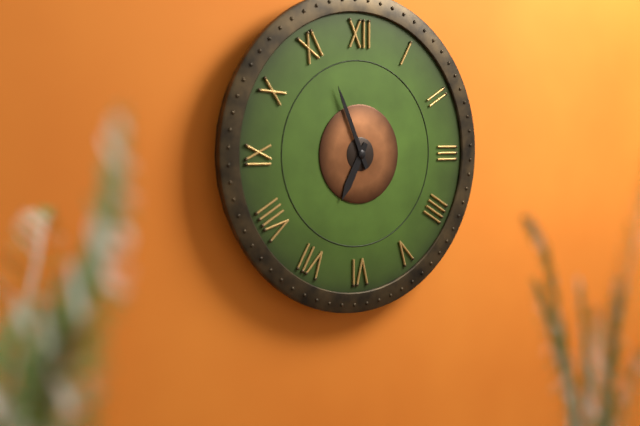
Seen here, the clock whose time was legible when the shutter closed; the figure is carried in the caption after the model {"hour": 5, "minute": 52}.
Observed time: {"hour": 6, "minute": 56}
